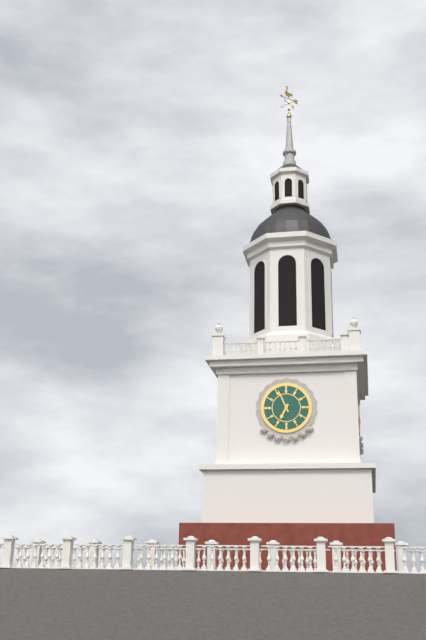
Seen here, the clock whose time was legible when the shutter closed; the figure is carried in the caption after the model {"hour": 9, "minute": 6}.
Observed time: {"hour": 6, "minute": 56}
